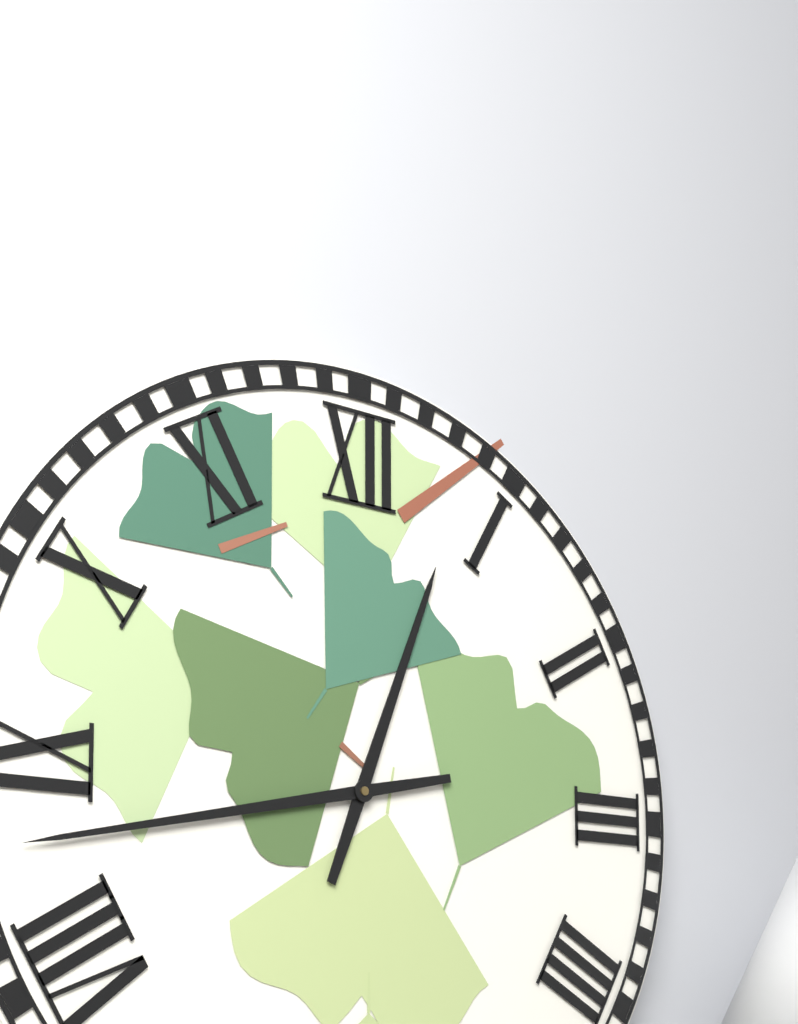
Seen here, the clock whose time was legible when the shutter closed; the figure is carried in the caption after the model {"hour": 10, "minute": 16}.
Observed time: {"hour": 12, "minute": 43}
